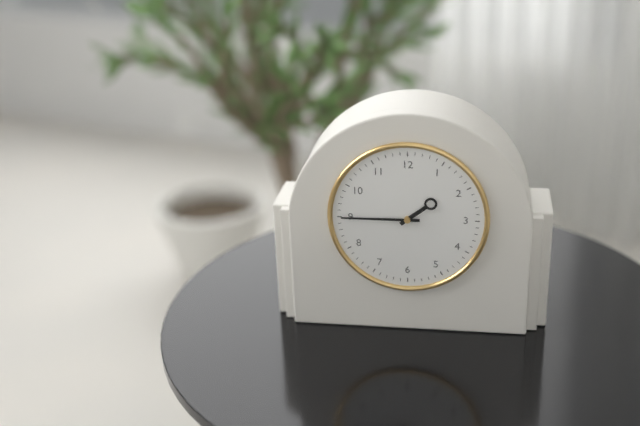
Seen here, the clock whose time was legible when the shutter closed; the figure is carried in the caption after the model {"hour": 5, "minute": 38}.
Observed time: {"hour": 1, "minute": 45}
